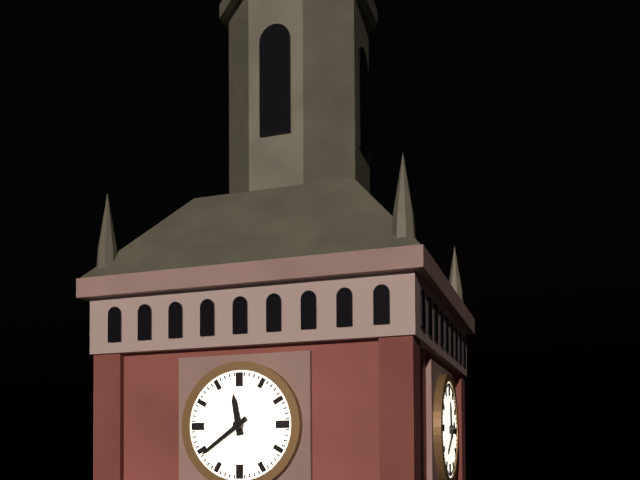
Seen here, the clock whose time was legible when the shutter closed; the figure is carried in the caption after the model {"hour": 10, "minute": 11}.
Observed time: {"hour": 11, "minute": 39}
